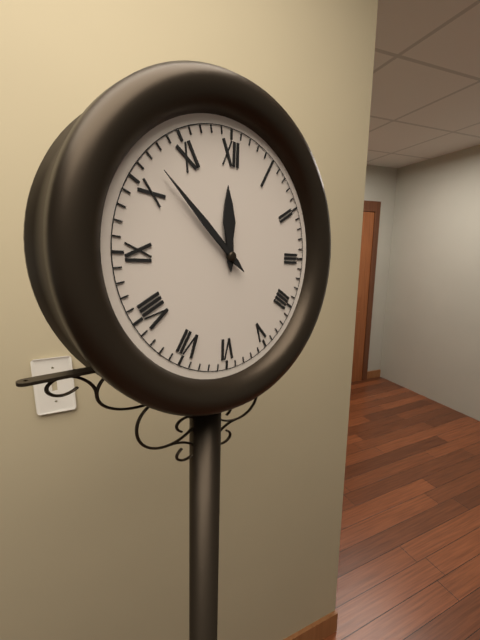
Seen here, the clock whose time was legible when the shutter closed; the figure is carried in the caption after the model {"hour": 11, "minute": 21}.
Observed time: {"hour": 11, "minute": 52}
